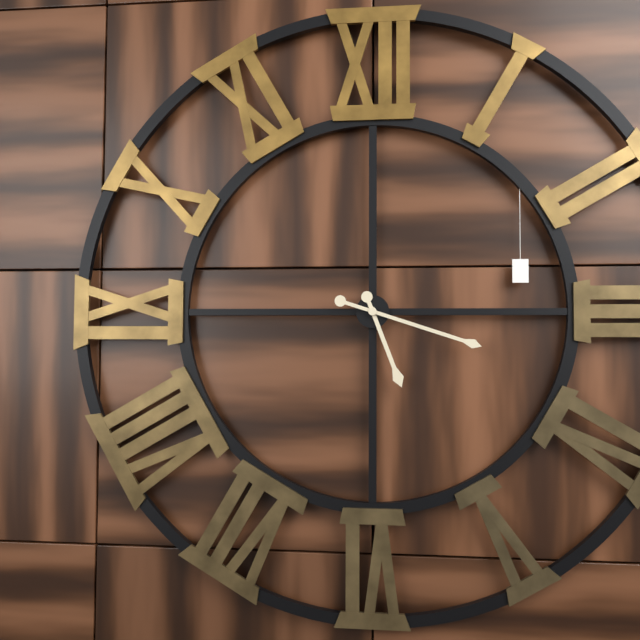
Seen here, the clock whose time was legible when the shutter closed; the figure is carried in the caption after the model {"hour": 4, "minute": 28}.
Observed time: {"hour": 5, "minute": 18}
